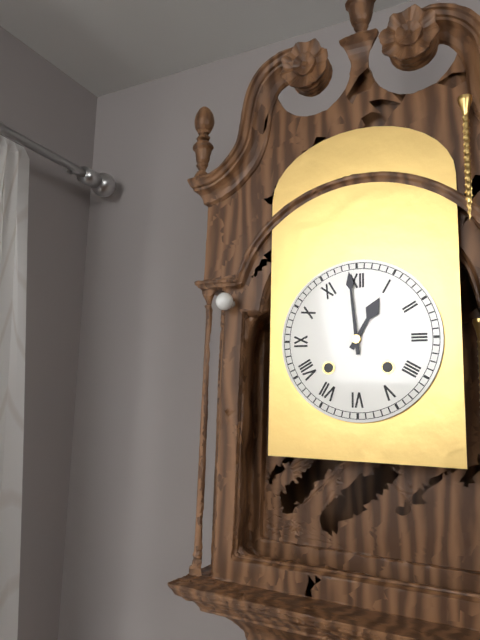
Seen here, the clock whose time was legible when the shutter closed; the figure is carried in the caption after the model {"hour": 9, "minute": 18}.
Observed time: {"hour": 12, "minute": 59}
